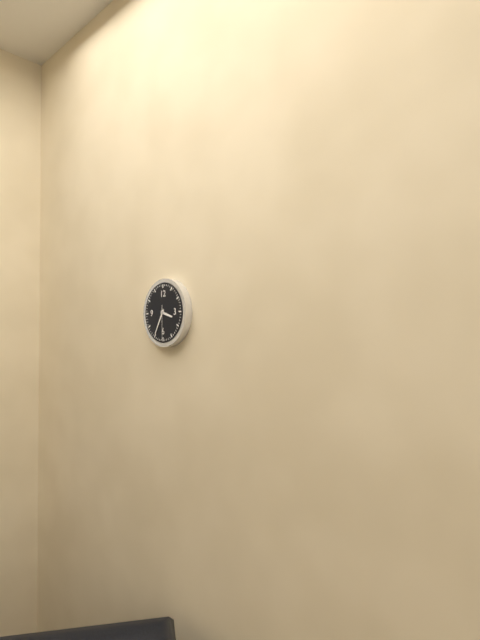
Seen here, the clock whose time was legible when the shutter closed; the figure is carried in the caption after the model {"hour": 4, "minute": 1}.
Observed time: {"hour": 3, "minute": 35}
